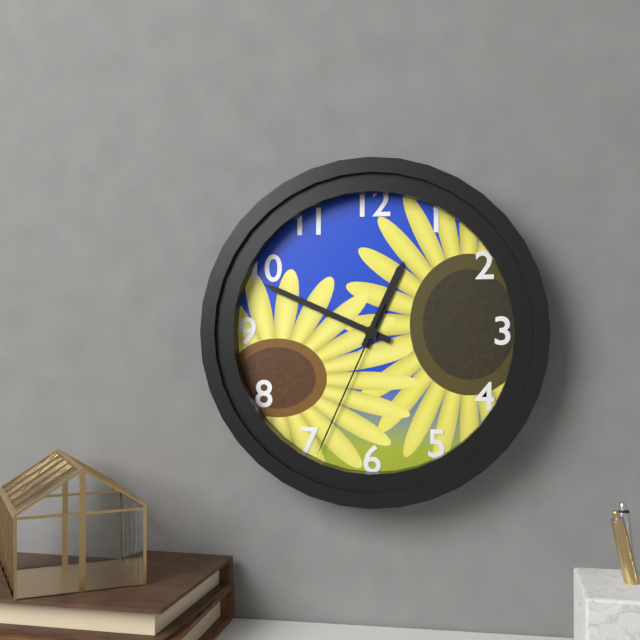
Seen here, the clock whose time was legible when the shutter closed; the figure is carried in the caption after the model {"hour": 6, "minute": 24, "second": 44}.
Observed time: {"hour": 12, "minute": 49, "second": 34}
